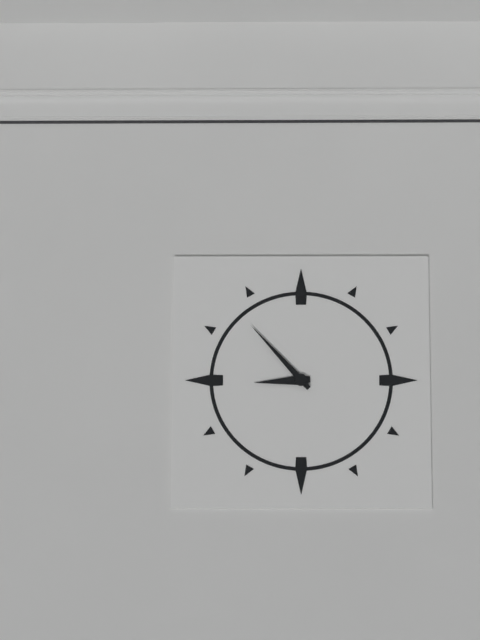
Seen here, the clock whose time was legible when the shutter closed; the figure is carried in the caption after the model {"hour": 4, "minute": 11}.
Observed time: {"hour": 8, "minute": 53}
